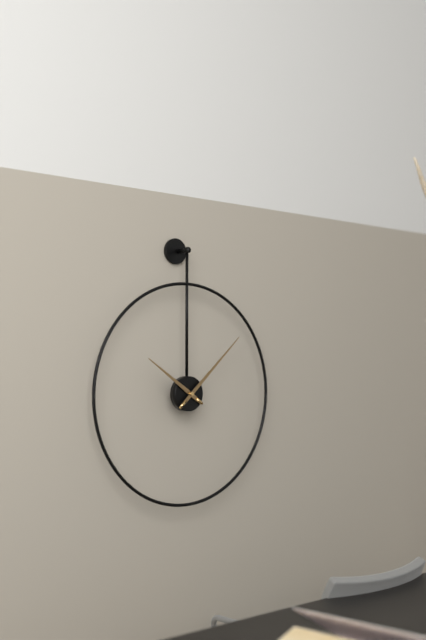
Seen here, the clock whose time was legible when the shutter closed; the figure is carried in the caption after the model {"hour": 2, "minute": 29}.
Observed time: {"hour": 10, "minute": 8}
